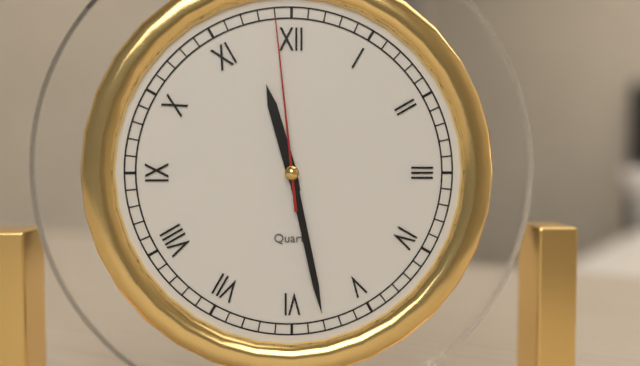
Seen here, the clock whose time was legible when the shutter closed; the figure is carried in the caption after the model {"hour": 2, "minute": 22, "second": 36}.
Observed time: {"hour": 11, "minute": 28, "second": 59}
